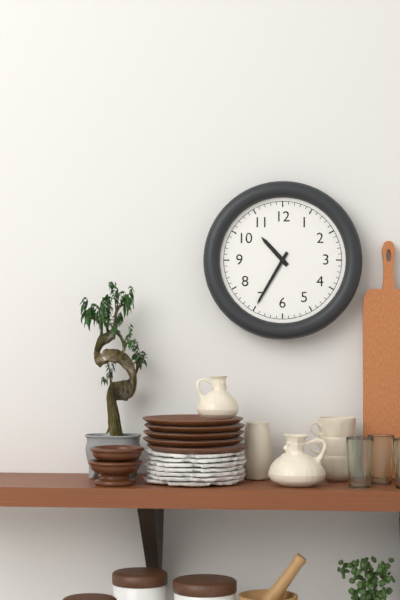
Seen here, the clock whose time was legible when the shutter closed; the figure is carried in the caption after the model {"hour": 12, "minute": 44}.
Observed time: {"hour": 10, "minute": 35}
